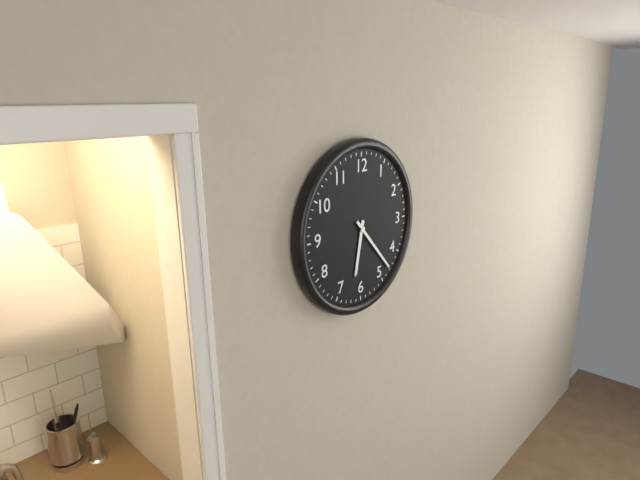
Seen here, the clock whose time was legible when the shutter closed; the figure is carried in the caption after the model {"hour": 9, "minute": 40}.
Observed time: {"hour": 6, "minute": 23}
